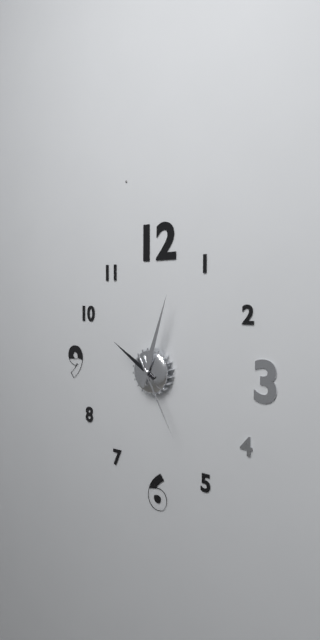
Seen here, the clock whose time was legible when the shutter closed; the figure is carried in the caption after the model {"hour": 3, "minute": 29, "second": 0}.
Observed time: {"hour": 10, "minute": 3, "second": 25}
